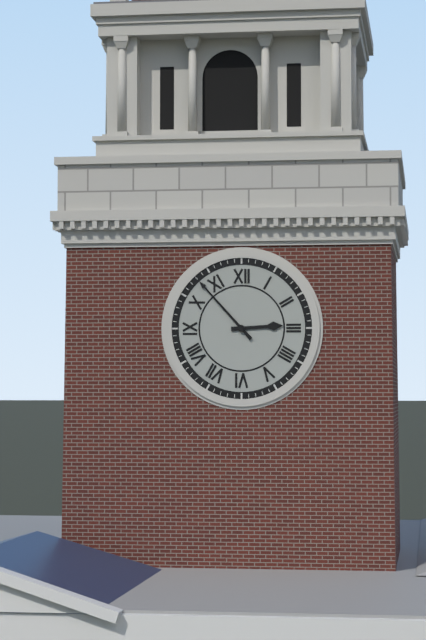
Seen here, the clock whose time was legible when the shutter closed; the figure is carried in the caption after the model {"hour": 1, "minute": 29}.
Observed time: {"hour": 2, "minute": 53}
